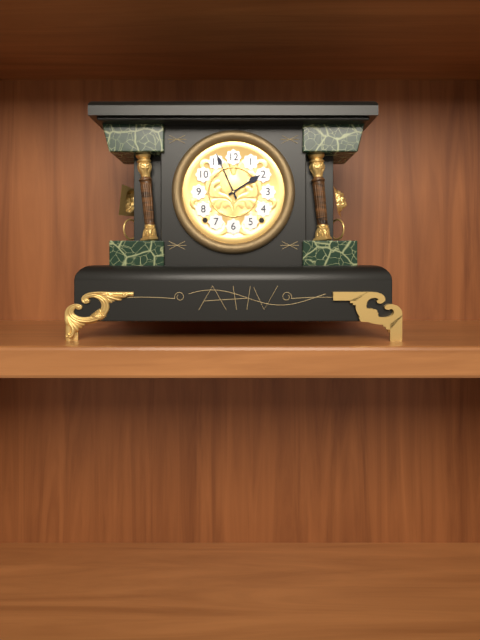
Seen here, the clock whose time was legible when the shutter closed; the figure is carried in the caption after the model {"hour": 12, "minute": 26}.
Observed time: {"hour": 1, "minute": 56}
